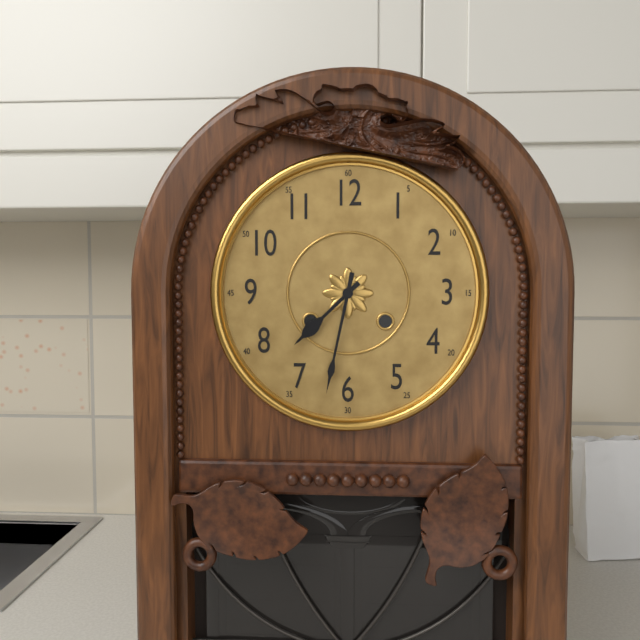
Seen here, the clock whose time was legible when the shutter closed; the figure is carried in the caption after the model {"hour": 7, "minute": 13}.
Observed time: {"hour": 7, "minute": 32}
